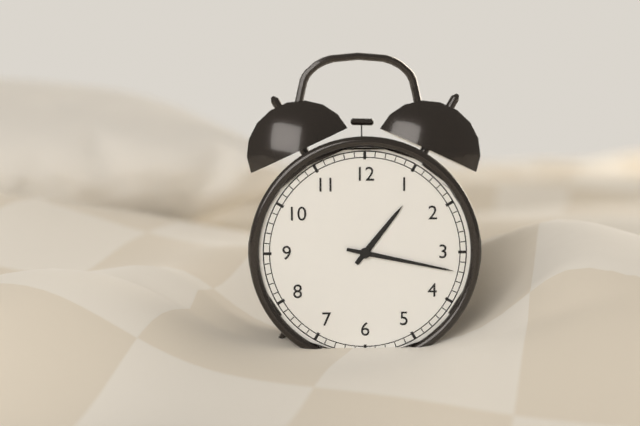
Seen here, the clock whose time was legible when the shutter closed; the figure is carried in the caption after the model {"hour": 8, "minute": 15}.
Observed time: {"hour": 1, "minute": 17}
